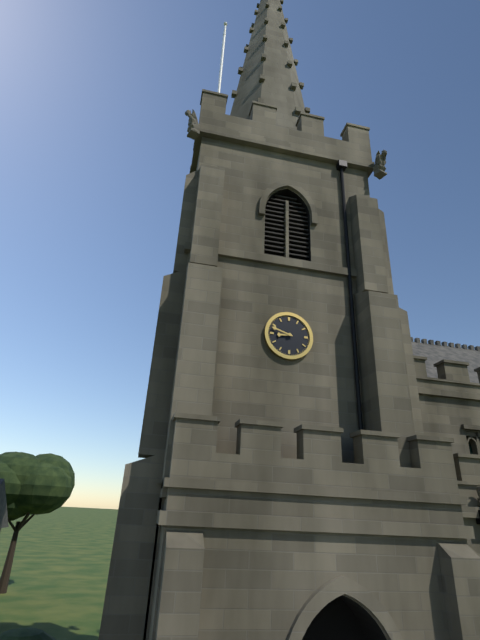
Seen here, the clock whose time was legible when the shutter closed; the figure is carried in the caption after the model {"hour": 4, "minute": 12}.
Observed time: {"hour": 8, "minute": 48}
